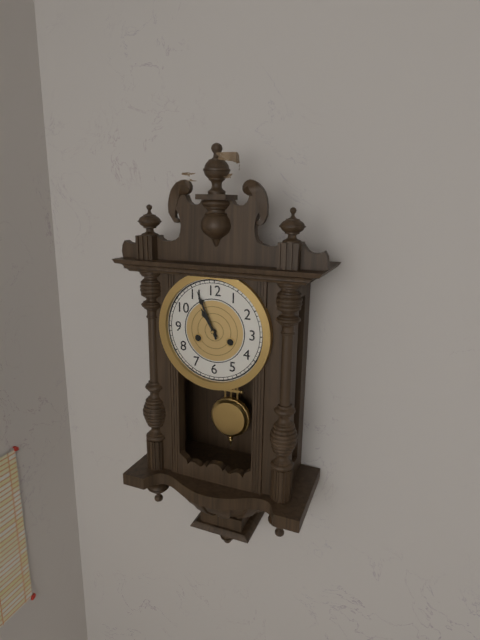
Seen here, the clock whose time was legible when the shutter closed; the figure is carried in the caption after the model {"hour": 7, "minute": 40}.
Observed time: {"hour": 10, "minute": 56}
